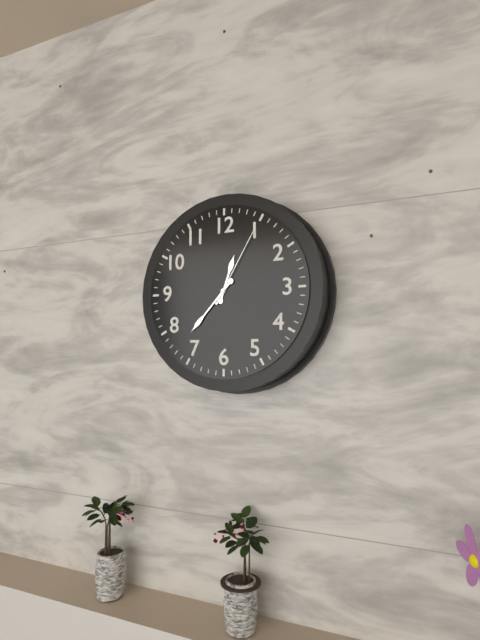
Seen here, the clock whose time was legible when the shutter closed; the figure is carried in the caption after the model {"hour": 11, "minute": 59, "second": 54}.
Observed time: {"hour": 12, "minute": 37, "second": 5}
